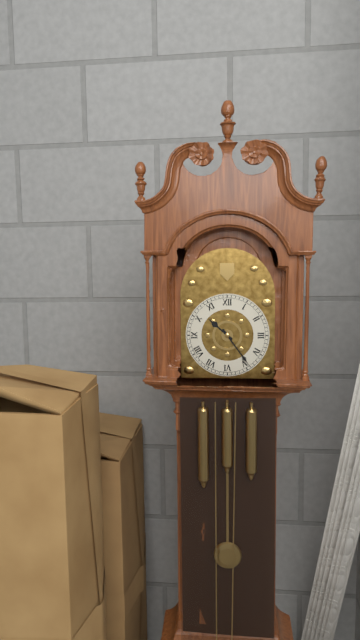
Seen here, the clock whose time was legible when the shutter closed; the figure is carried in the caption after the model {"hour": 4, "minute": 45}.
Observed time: {"hour": 10, "minute": 24}
